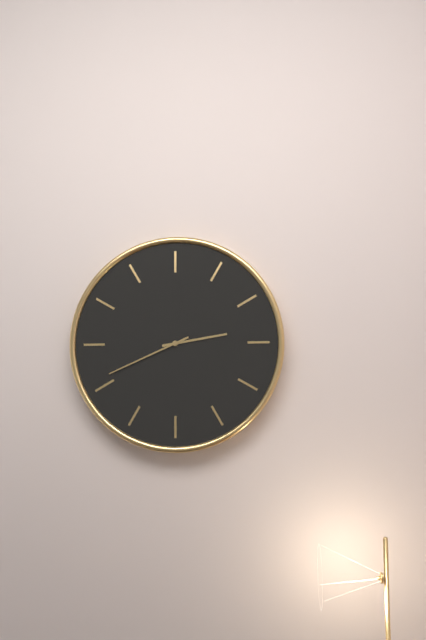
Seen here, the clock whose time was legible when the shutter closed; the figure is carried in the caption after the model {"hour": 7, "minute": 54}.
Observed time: {"hour": 2, "minute": 41}
